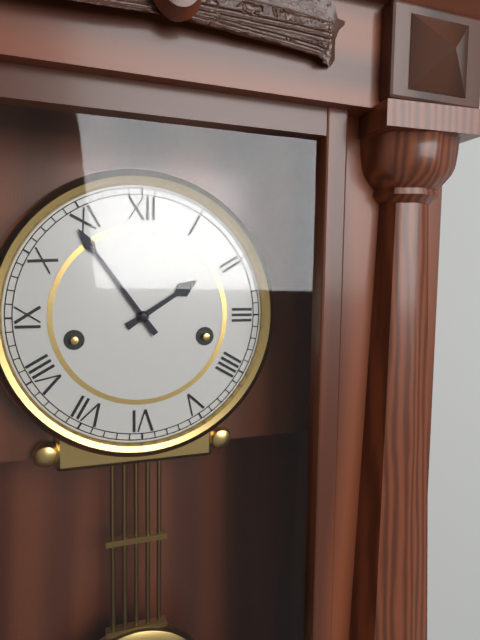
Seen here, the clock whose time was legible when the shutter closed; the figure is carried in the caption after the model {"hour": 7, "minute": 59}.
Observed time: {"hour": 1, "minute": 54}
